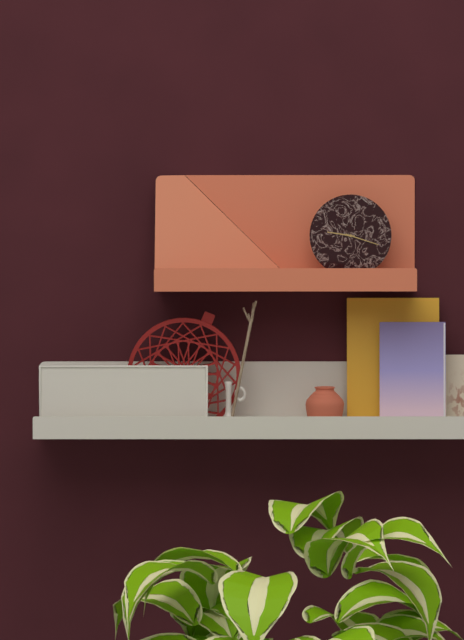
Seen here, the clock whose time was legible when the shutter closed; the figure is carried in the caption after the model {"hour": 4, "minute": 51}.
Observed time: {"hour": 9, "minute": 18}
